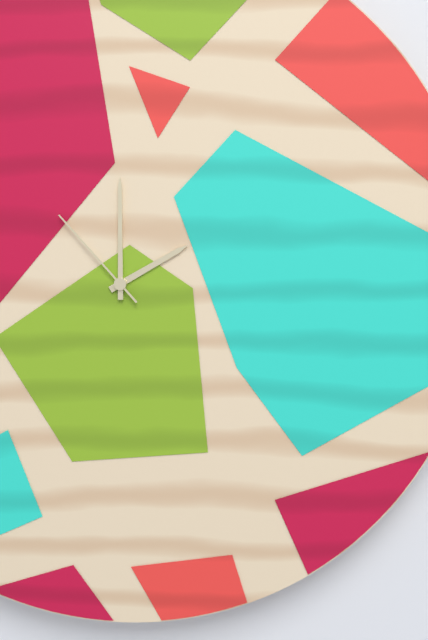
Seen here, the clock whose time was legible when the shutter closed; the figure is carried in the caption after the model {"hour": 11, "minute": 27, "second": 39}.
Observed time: {"hour": 2, "minute": 0, "second": 53}
